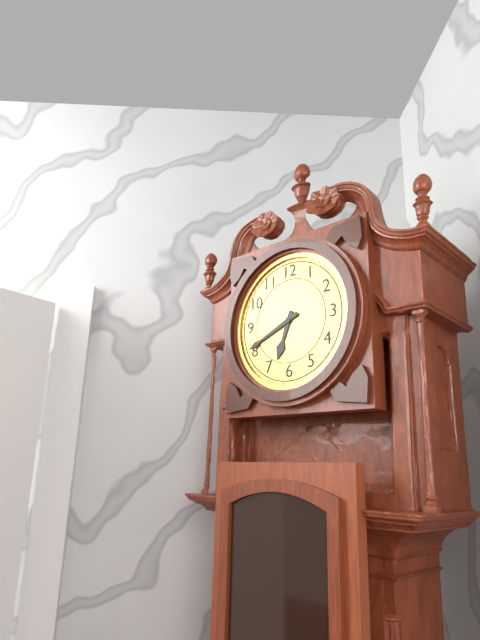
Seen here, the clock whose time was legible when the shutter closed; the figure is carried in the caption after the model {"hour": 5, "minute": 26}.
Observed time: {"hour": 6, "minute": 41}
